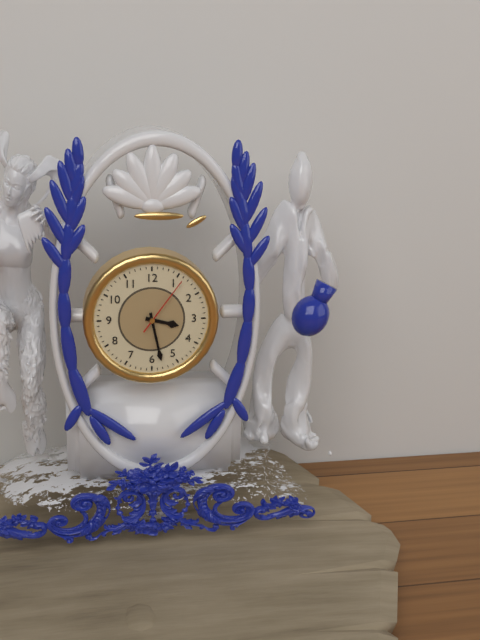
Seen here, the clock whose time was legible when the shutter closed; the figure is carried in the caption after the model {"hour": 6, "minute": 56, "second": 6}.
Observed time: {"hour": 3, "minute": 28, "second": 6}
